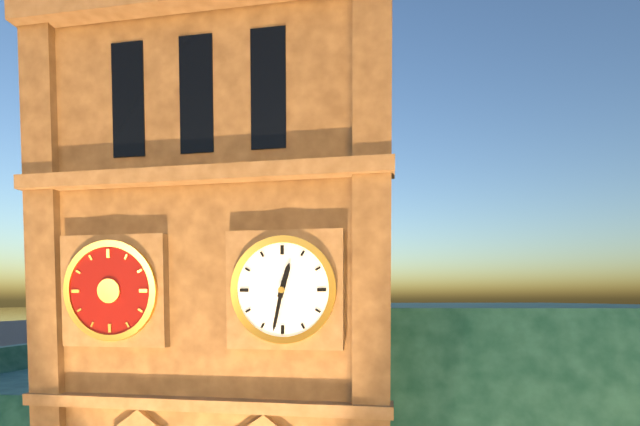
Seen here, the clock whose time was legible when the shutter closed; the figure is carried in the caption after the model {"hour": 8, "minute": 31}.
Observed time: {"hour": 12, "minute": 32}
